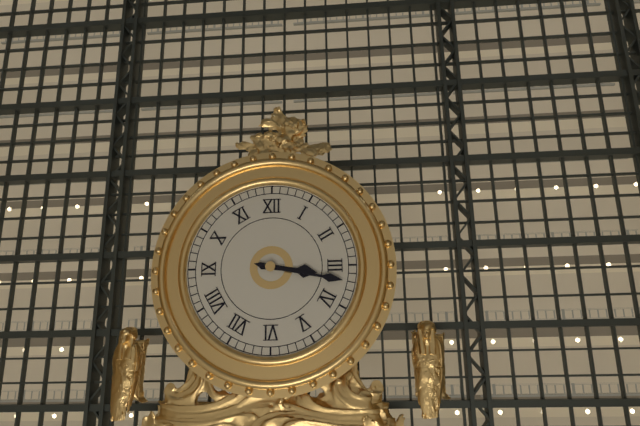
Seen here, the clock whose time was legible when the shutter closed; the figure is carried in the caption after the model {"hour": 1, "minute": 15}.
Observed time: {"hour": 3, "minute": 17}
